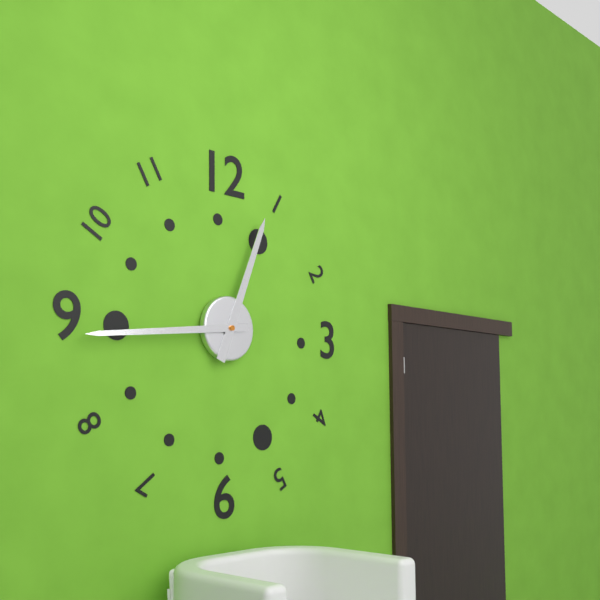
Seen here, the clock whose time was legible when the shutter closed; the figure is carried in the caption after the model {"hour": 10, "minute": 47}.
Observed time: {"hour": 12, "minute": 44}
